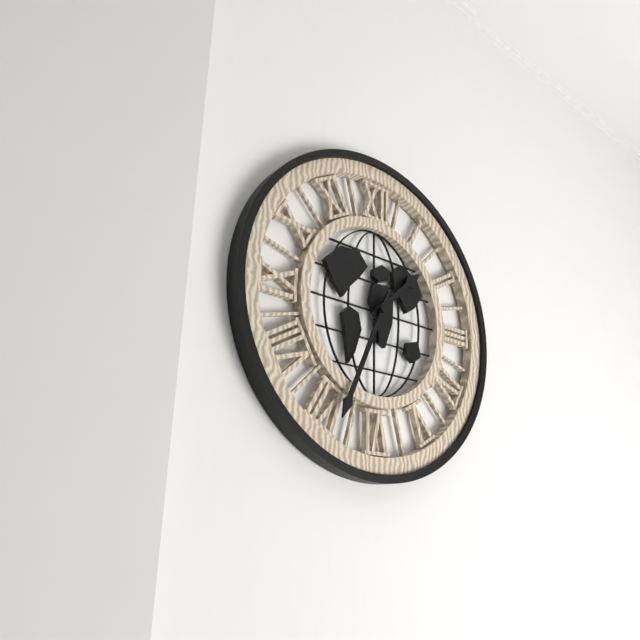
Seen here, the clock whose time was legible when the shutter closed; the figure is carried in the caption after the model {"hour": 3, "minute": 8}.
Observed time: {"hour": 1, "minute": 34}
